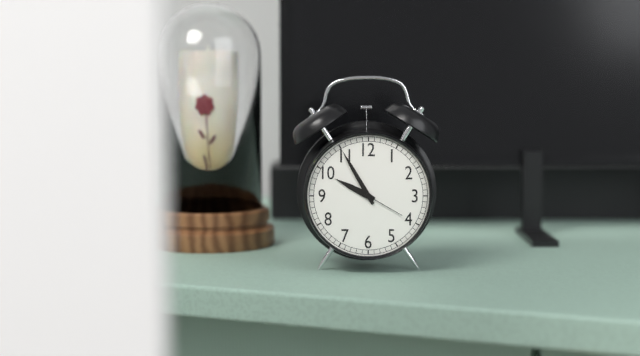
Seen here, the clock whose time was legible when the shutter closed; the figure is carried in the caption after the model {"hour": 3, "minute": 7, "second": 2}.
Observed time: {"hour": 9, "minute": 55, "second": 20}
